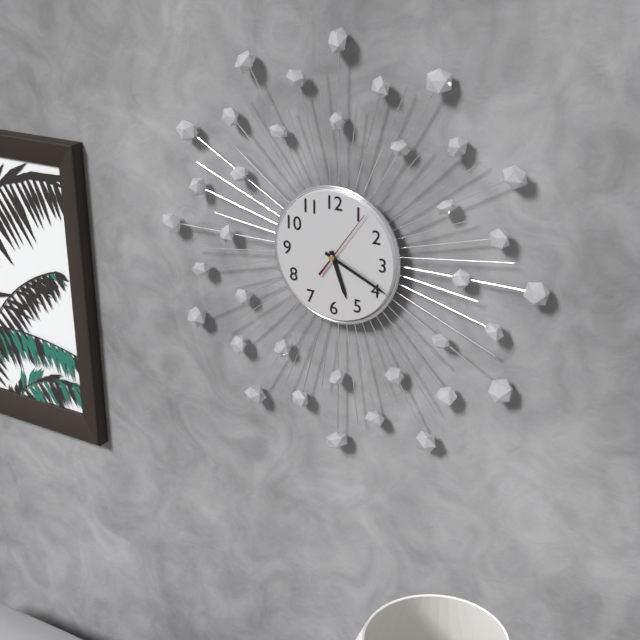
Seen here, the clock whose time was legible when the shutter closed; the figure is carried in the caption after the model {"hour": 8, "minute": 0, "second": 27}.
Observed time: {"hour": 5, "minute": 19, "second": 6}
